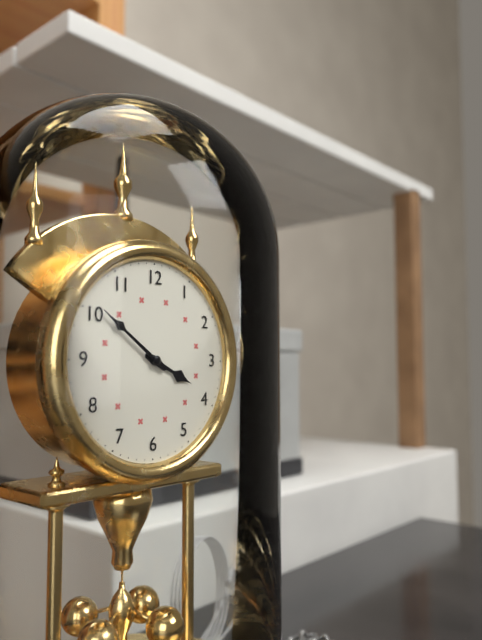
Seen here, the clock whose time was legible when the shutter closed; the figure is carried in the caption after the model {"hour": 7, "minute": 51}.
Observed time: {"hour": 3, "minute": 51}
